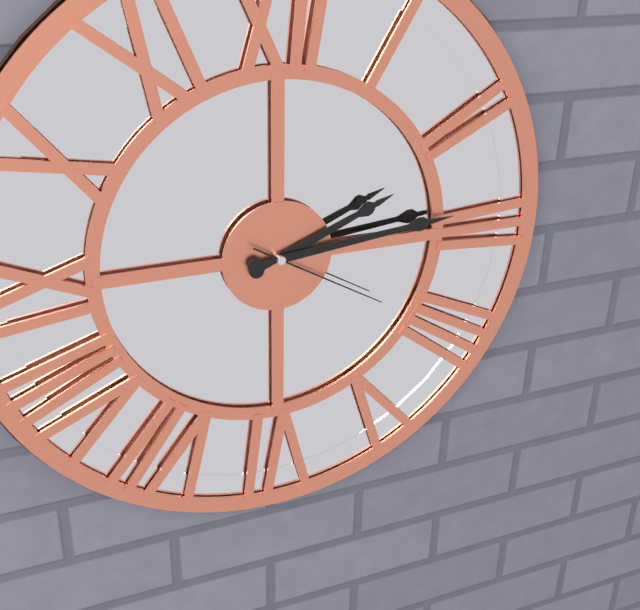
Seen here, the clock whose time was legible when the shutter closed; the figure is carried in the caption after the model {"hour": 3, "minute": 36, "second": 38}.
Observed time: {"hour": 2, "minute": 14, "second": 20}
